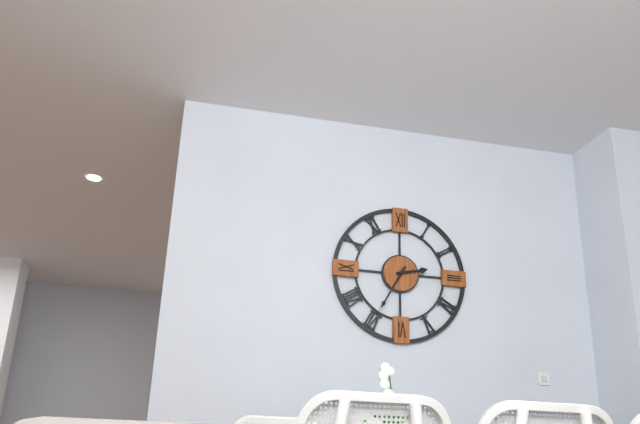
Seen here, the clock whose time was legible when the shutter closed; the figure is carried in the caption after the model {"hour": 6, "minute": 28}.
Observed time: {"hour": 2, "minute": 35}
